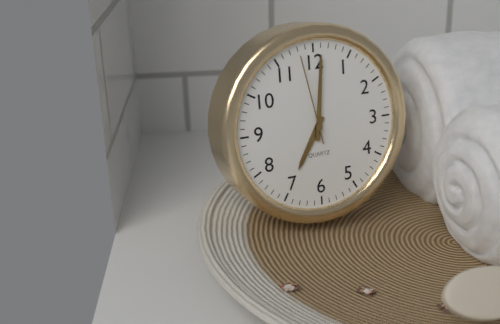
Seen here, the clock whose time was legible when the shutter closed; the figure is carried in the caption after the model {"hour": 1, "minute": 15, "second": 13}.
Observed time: {"hour": 7, "minute": 1, "second": 58}
